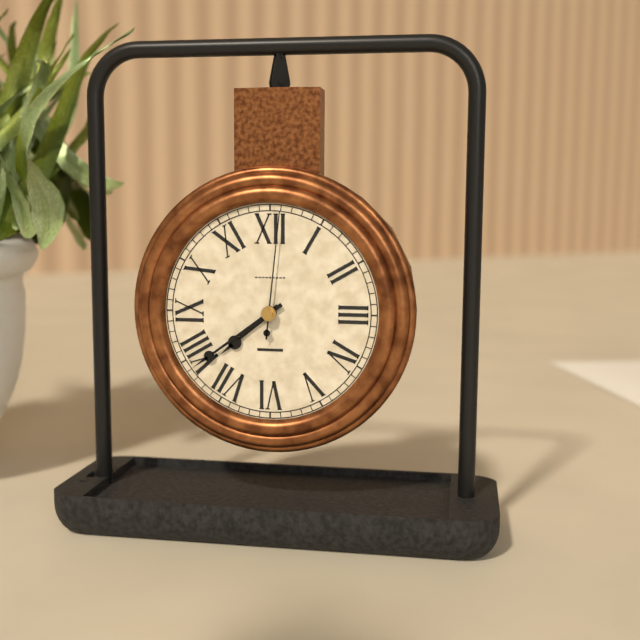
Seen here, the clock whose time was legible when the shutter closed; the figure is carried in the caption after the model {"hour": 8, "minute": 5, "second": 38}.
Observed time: {"hour": 7, "minute": 39, "second": 1}
